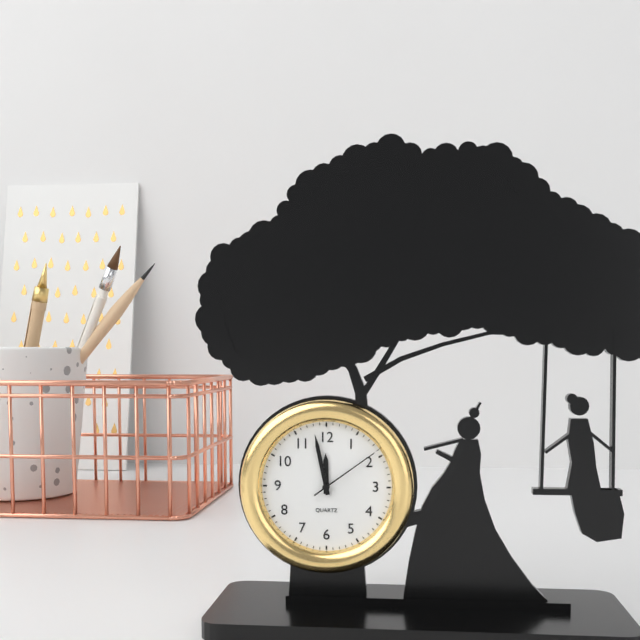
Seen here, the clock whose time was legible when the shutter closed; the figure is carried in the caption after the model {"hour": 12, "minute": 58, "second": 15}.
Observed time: {"hour": 11, "minute": 58, "second": 9}
